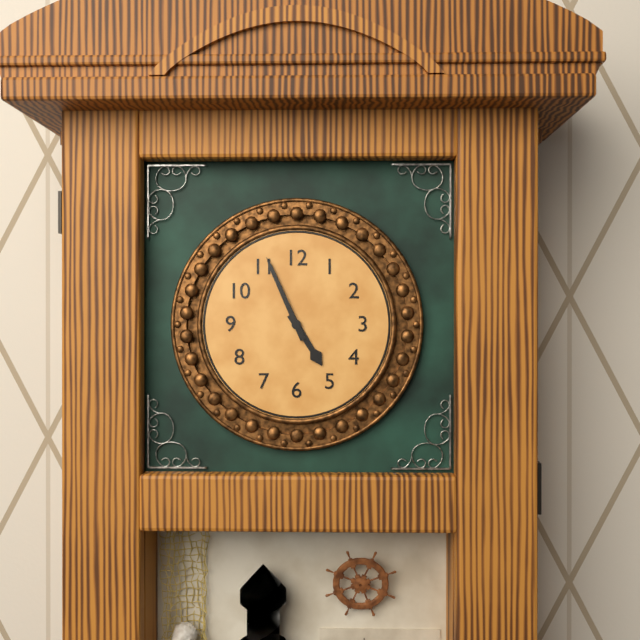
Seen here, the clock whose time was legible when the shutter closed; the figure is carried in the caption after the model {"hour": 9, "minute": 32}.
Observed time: {"hour": 4, "minute": 56}
